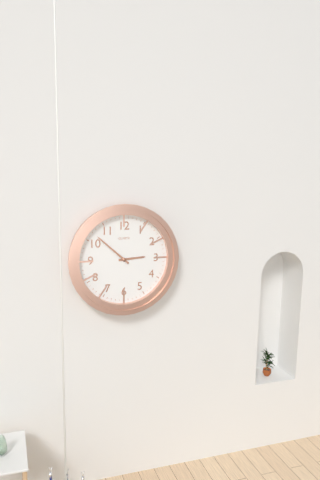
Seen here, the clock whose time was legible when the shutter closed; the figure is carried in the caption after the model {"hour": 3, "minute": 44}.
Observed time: {"hour": 2, "minute": 52}
